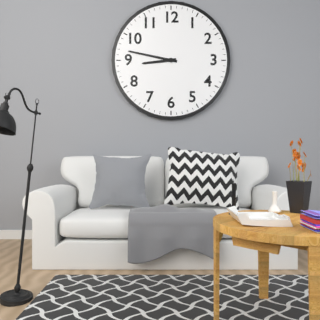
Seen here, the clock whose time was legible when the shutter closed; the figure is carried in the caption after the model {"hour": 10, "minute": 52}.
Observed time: {"hour": 8, "minute": 47}
